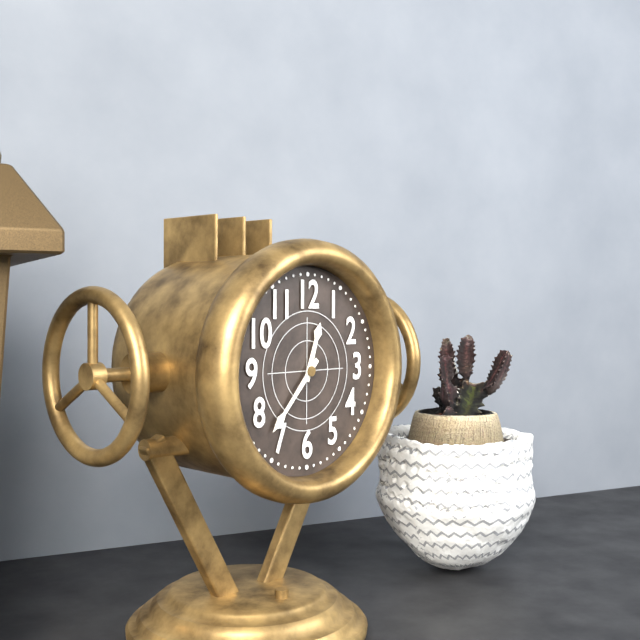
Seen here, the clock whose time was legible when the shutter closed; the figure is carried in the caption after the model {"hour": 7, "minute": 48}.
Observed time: {"hour": 12, "minute": 37}
